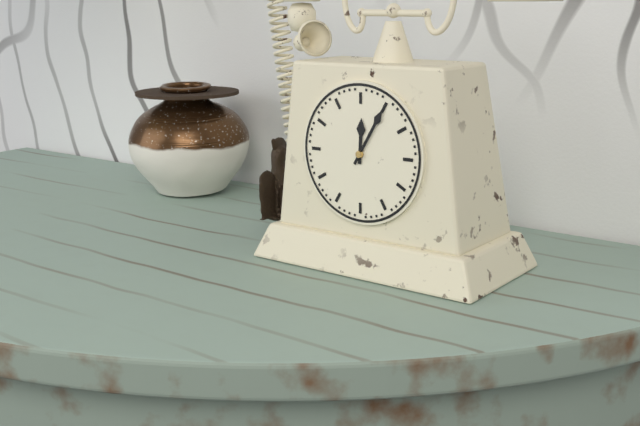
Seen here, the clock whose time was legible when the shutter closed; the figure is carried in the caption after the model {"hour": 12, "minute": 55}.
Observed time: {"hour": 12, "minute": 5}
